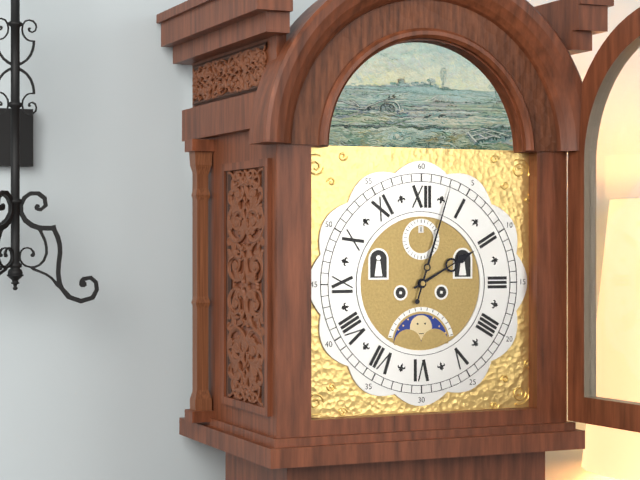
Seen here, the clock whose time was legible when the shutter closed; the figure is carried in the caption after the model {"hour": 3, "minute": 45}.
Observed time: {"hour": 2, "minute": 3}
